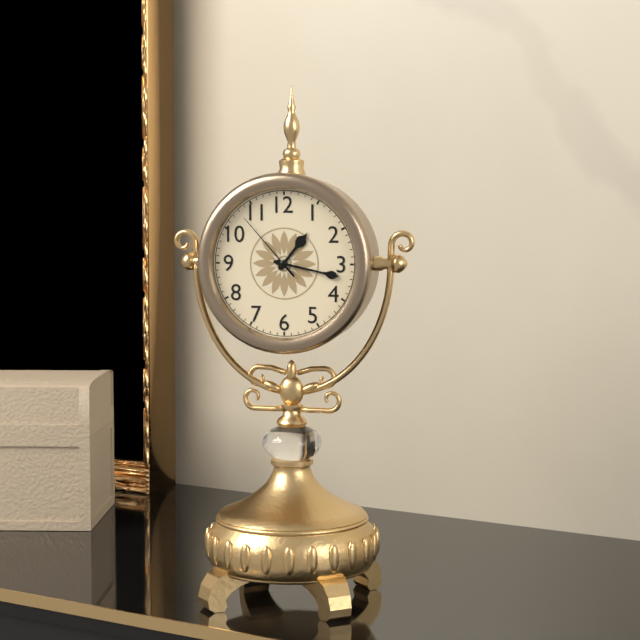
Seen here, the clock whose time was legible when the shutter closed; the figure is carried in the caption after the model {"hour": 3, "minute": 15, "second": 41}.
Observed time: {"hour": 1, "minute": 17, "second": 53}
